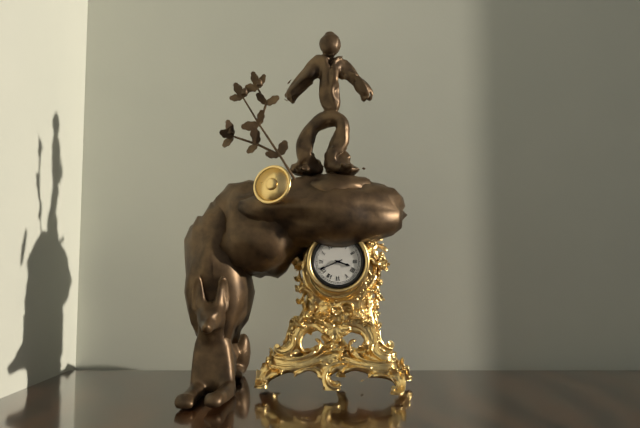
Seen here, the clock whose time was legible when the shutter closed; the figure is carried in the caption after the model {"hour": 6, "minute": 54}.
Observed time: {"hour": 3, "minute": 41}
